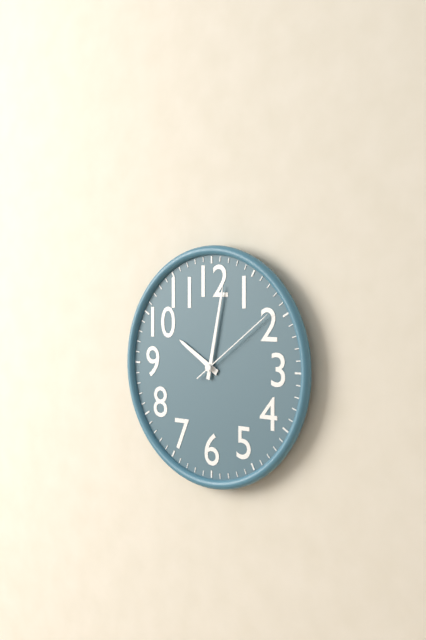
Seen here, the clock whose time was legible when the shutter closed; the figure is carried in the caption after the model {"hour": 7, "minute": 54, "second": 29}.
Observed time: {"hour": 10, "minute": 2, "second": 9}
